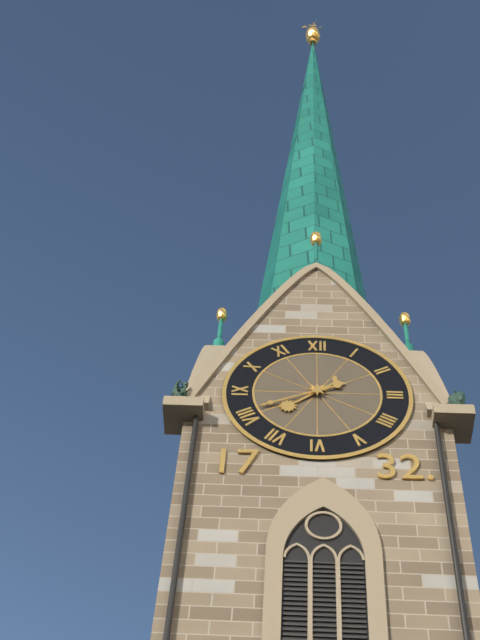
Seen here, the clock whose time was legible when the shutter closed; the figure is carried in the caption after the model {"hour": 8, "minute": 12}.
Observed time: {"hour": 7, "minute": 41}
